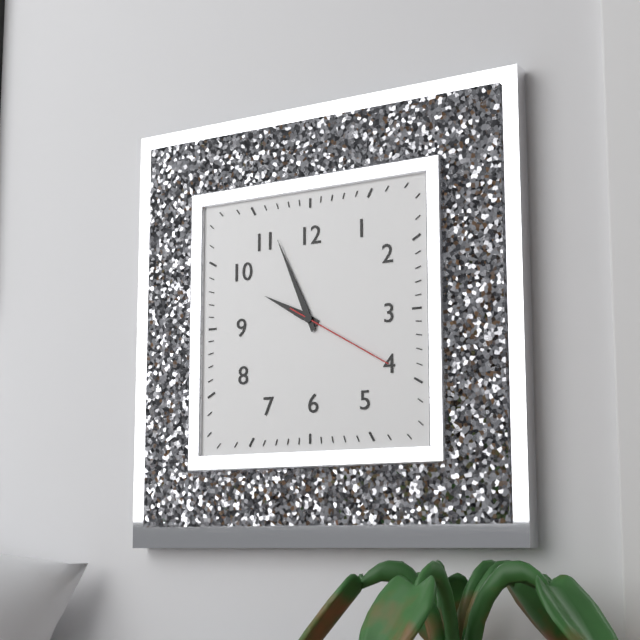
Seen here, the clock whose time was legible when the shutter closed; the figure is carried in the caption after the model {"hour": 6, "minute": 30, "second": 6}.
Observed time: {"hour": 9, "minute": 56, "second": 20}
